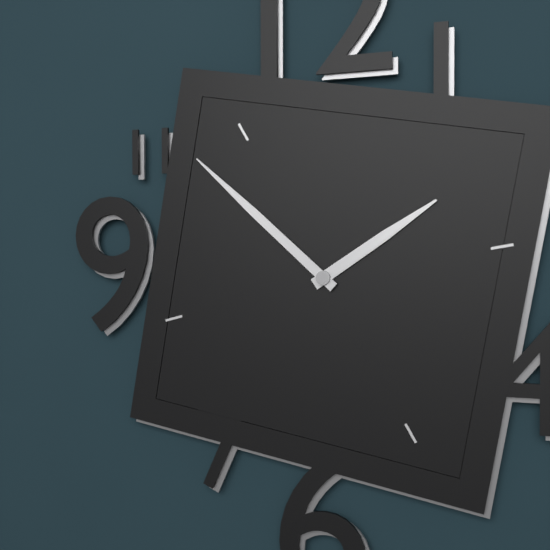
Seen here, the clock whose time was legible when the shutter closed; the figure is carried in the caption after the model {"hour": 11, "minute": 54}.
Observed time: {"hour": 1, "minute": 52}
